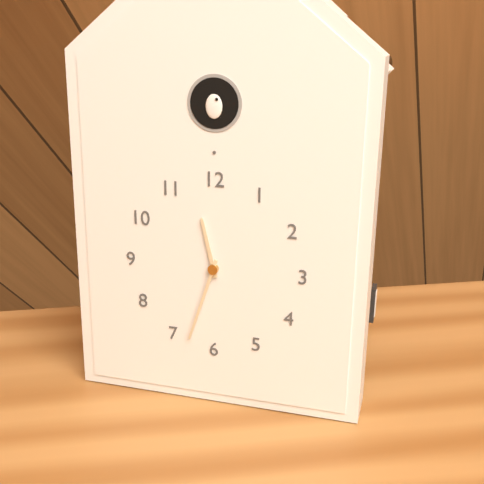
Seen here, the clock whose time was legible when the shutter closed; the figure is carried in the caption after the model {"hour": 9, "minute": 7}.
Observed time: {"hour": 11, "minute": 33}
